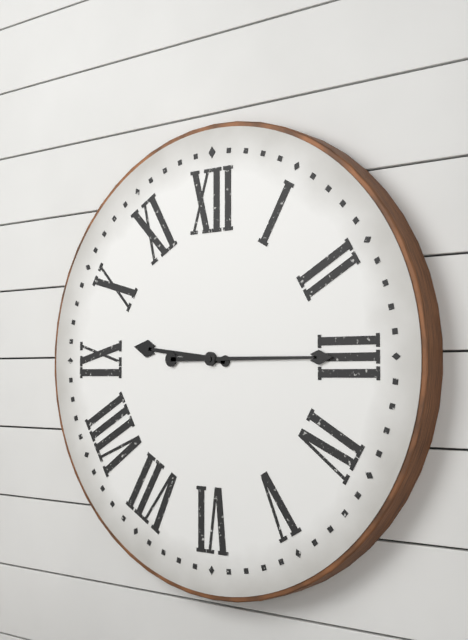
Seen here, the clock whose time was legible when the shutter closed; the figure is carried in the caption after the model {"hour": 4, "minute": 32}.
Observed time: {"hour": 9, "minute": 15}
